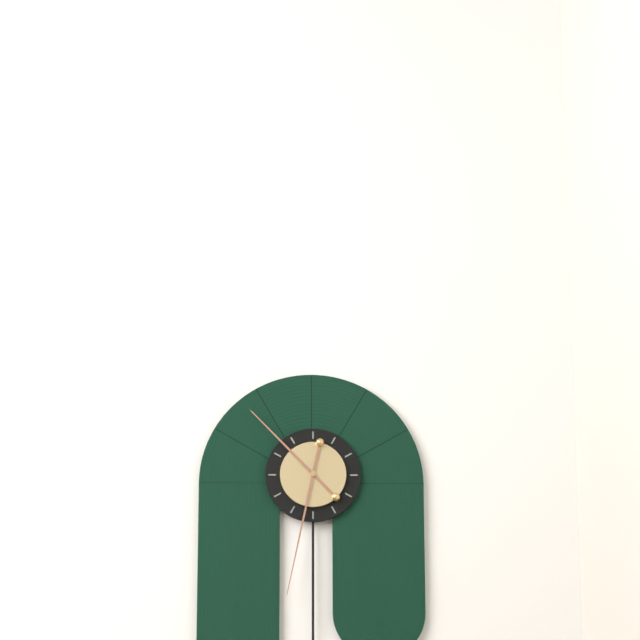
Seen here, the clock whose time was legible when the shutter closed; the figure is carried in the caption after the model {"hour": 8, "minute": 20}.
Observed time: {"hour": 10, "minute": 32}
